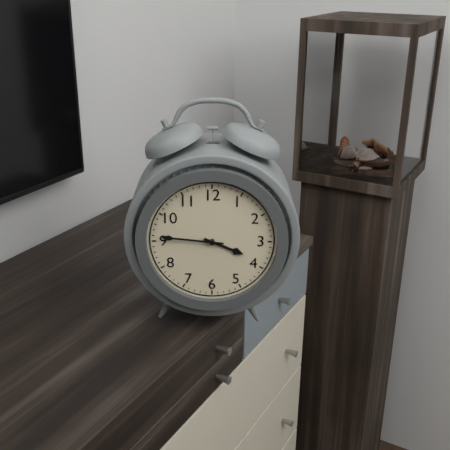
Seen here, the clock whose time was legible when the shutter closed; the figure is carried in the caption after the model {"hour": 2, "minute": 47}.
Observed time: {"hour": 3, "minute": 46}
